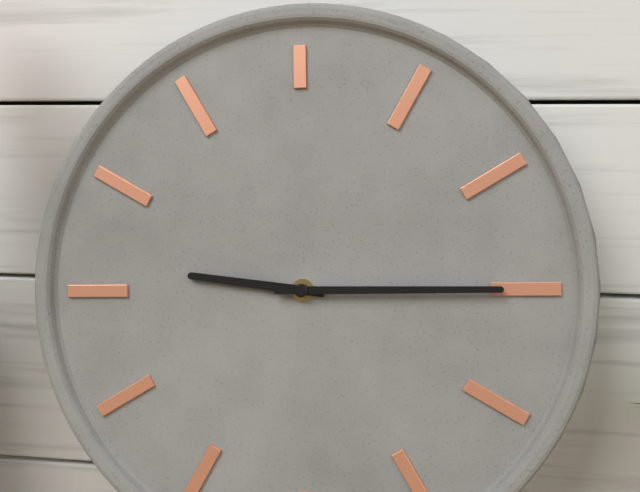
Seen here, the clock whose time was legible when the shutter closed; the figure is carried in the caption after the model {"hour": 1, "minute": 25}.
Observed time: {"hour": 9, "minute": 15}
